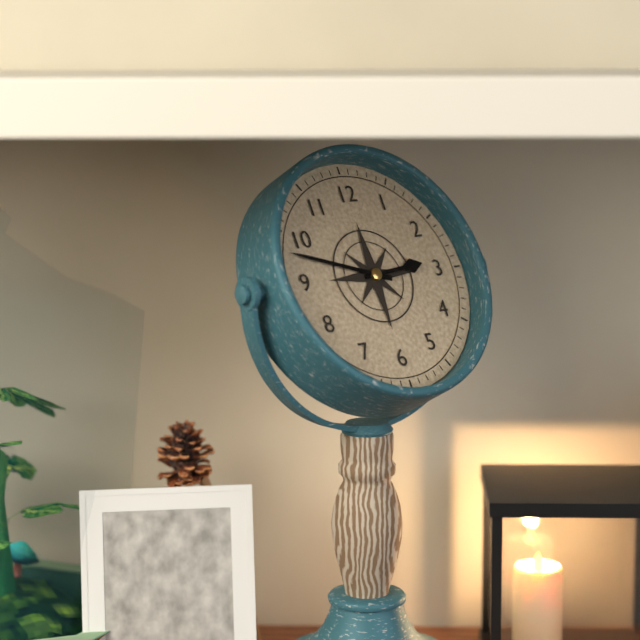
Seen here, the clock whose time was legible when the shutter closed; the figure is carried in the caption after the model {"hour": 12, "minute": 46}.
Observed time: {"hour": 2, "minute": 48}
